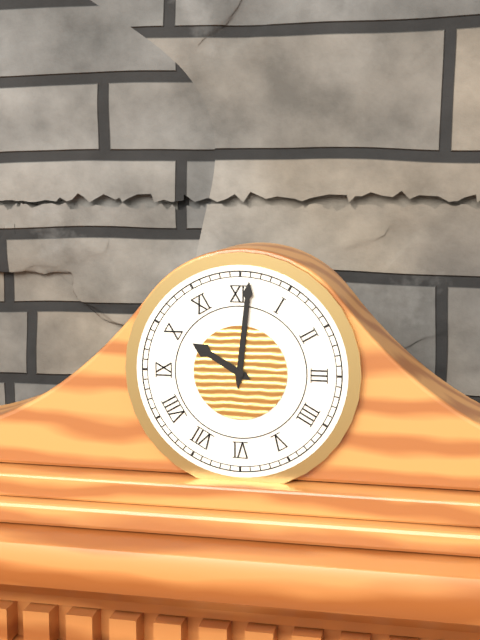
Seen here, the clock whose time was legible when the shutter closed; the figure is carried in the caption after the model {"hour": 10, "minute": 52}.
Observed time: {"hour": 10, "minute": 1}
